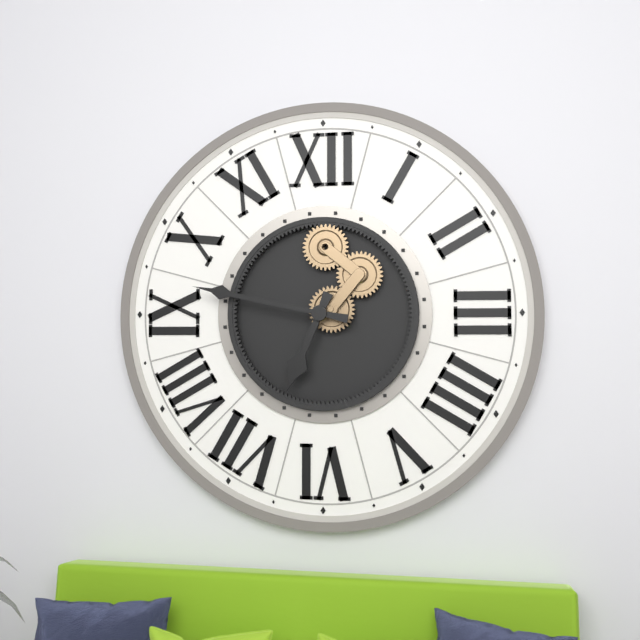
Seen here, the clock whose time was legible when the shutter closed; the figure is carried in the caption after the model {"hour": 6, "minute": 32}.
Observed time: {"hour": 6, "minute": 47}
